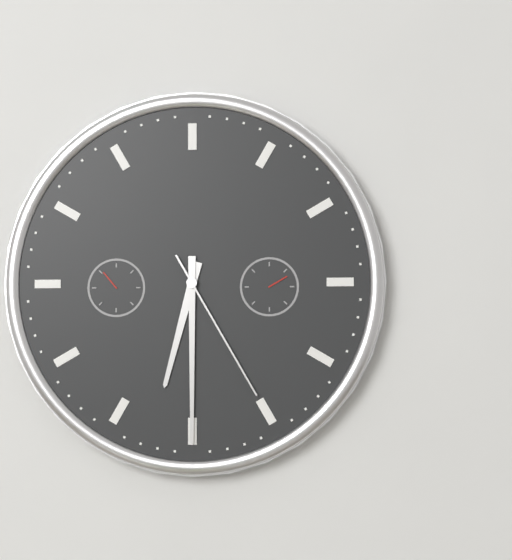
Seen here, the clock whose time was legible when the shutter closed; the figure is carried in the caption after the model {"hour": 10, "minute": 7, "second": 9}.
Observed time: {"hour": 6, "minute": 30, "second": 25}
